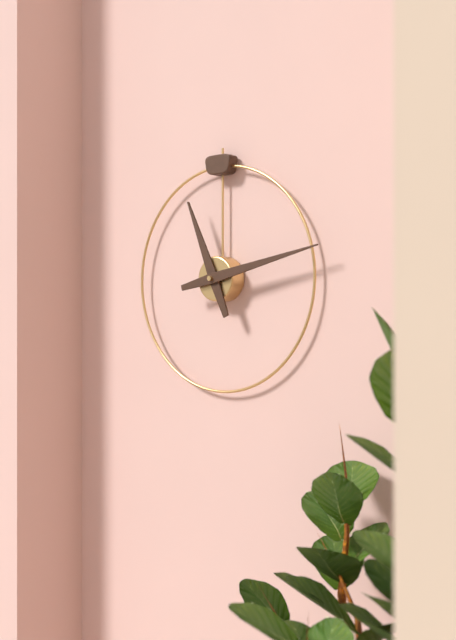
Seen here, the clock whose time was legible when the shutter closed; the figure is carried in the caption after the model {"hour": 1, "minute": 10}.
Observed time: {"hour": 11, "minute": 13}
